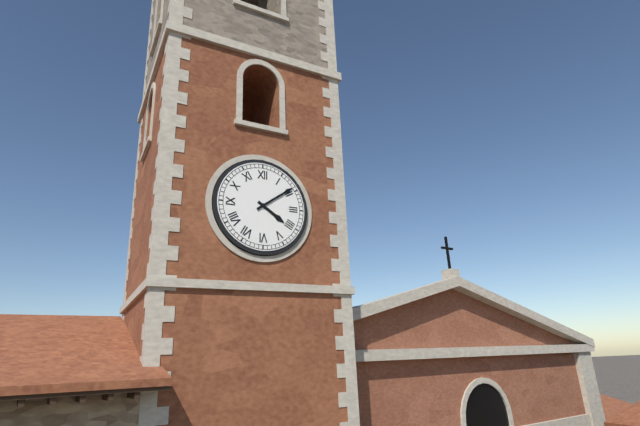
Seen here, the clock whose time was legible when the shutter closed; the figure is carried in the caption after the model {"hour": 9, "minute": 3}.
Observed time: {"hour": 4, "minute": 9}
